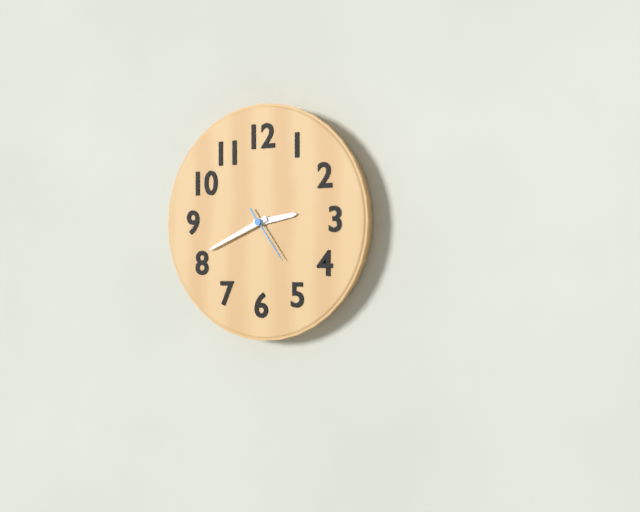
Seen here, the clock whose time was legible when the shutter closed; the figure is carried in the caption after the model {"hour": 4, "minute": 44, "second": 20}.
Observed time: {"hour": 2, "minute": 41, "second": 24}
